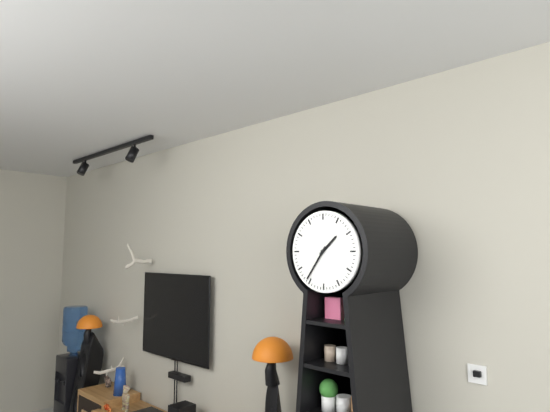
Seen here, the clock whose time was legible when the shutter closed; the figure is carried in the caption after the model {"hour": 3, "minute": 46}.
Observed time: {"hour": 1, "minute": 36}
